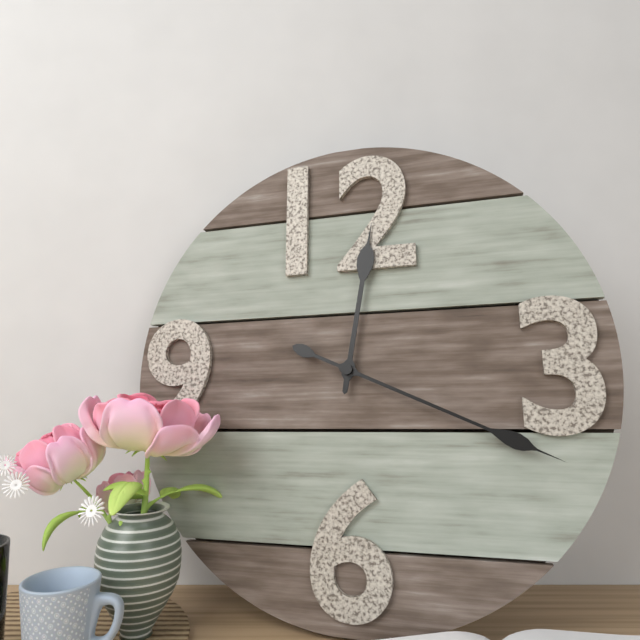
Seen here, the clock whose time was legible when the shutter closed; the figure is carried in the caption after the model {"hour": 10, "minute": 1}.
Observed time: {"hour": 12, "minute": 19}
